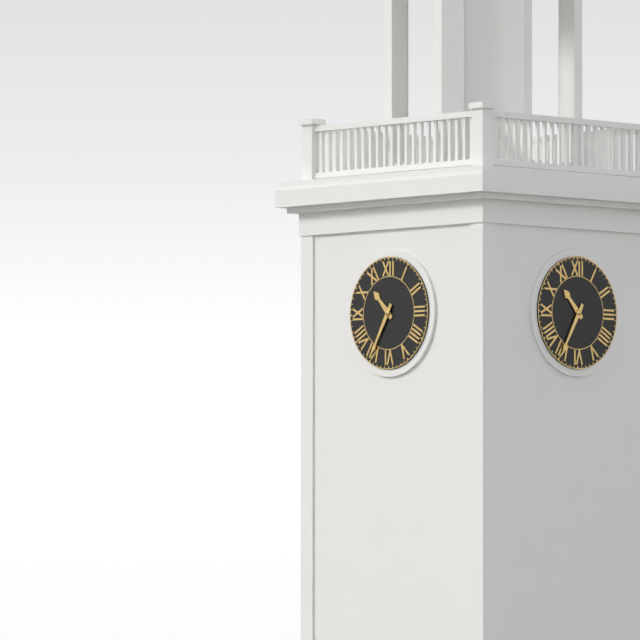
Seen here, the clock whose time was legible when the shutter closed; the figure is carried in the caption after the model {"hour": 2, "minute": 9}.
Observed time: {"hour": 10, "minute": 35}
